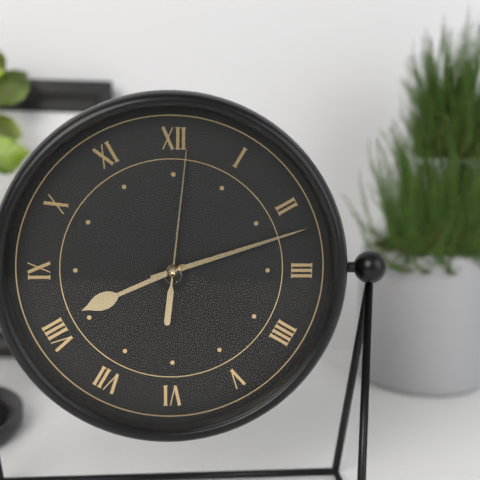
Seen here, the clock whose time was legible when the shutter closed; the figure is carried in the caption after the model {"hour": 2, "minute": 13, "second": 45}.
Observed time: {"hour": 8, "minute": 12, "second": 1}
